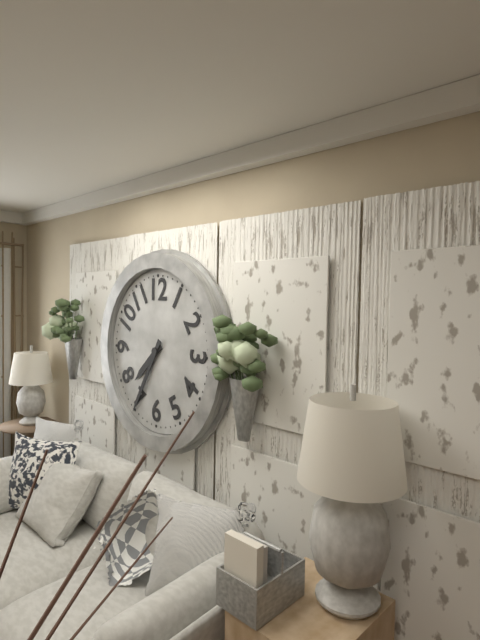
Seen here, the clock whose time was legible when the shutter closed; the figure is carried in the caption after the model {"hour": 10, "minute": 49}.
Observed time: {"hour": 7, "minute": 35}
